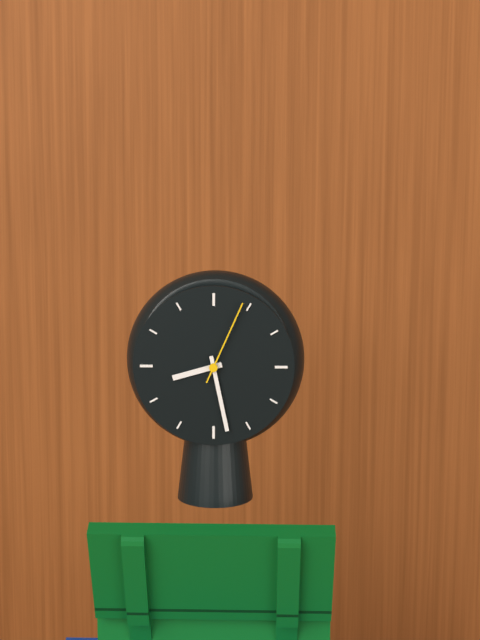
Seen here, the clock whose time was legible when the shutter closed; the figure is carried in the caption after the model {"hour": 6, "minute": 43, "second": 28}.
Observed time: {"hour": 8, "minute": 28, "second": 4}
